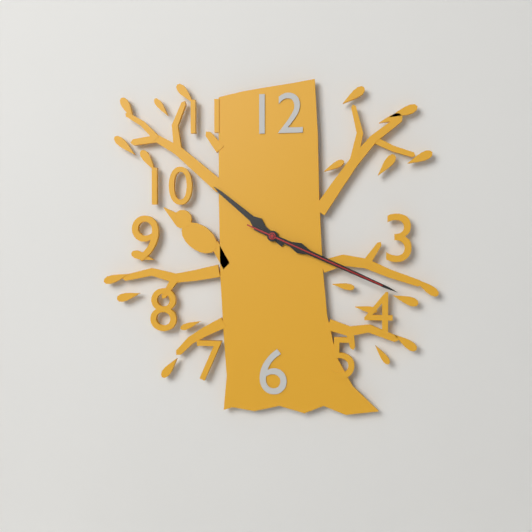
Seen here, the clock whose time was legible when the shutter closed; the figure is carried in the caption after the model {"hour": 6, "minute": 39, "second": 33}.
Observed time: {"hour": 10, "minute": 19, "second": 19}
